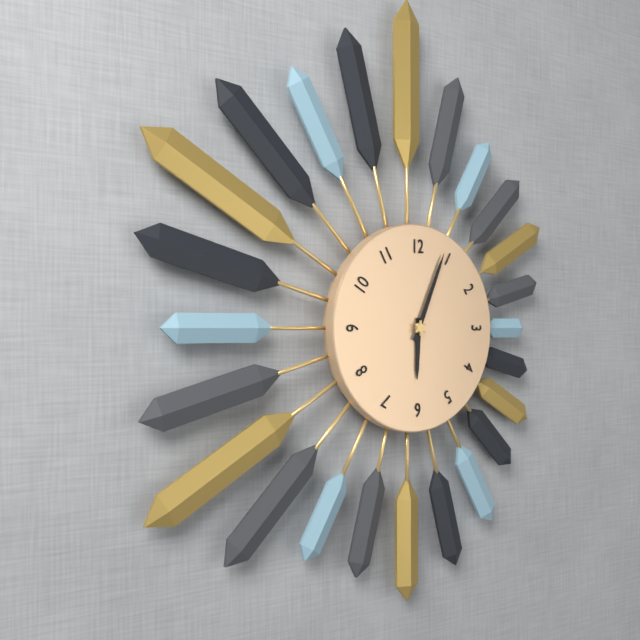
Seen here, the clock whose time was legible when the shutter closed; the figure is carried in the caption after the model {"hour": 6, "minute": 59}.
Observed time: {"hour": 6, "minute": 4}
